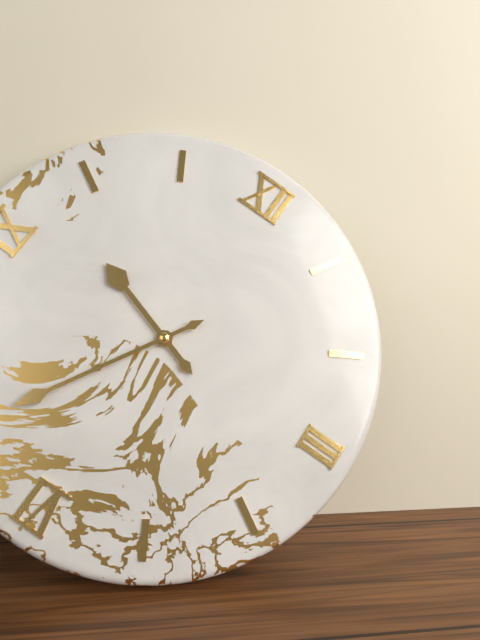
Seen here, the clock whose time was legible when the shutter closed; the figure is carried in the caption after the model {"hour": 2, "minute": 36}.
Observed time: {"hour": 9, "minute": 35}
